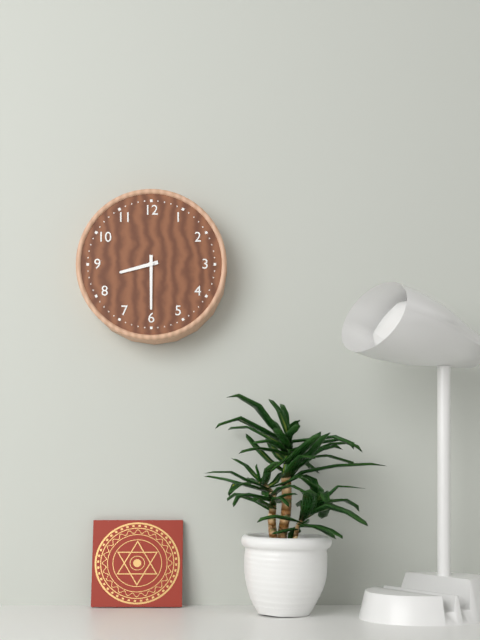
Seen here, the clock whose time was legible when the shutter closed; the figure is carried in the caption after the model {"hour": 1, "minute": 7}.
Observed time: {"hour": 8, "minute": 30}
